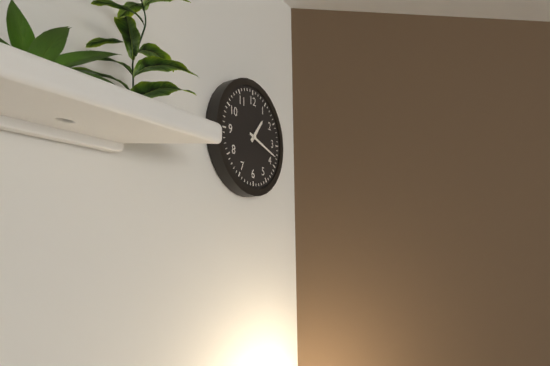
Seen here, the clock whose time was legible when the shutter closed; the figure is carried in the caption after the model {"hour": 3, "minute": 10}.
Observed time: {"hour": 1, "minute": 18}
